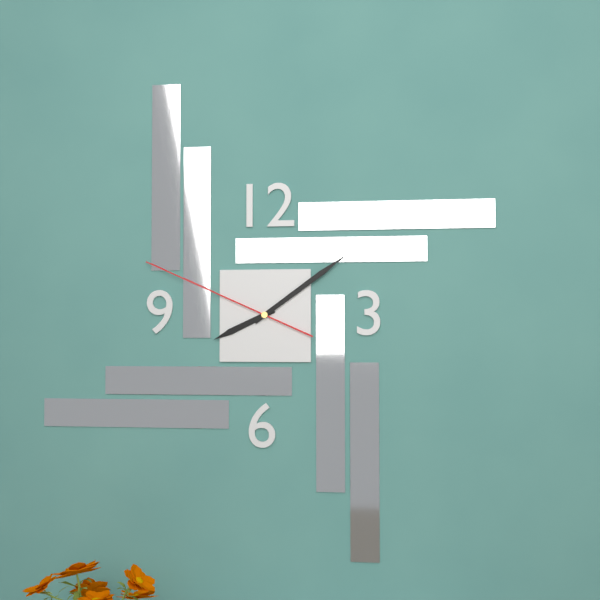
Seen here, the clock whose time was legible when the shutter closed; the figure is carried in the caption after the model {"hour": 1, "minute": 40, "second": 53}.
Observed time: {"hour": 8, "minute": 9, "second": 49}
